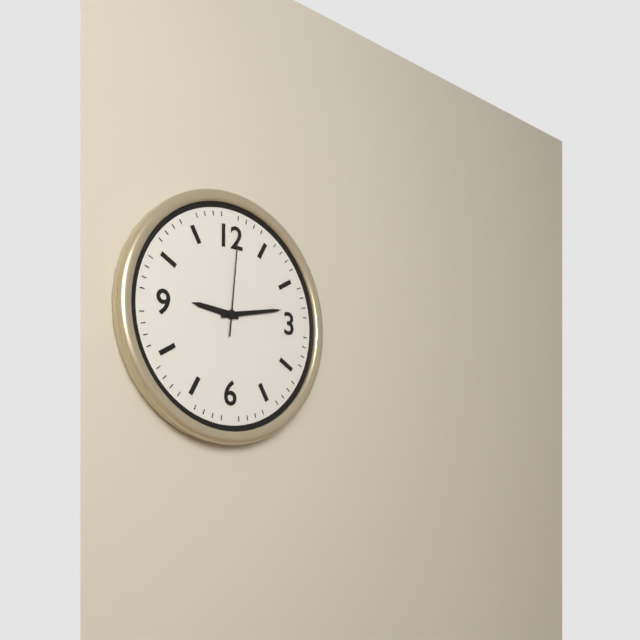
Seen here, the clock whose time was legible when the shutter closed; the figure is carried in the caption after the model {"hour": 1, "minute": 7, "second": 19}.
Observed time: {"hour": 9, "minute": 13, "second": 1}
